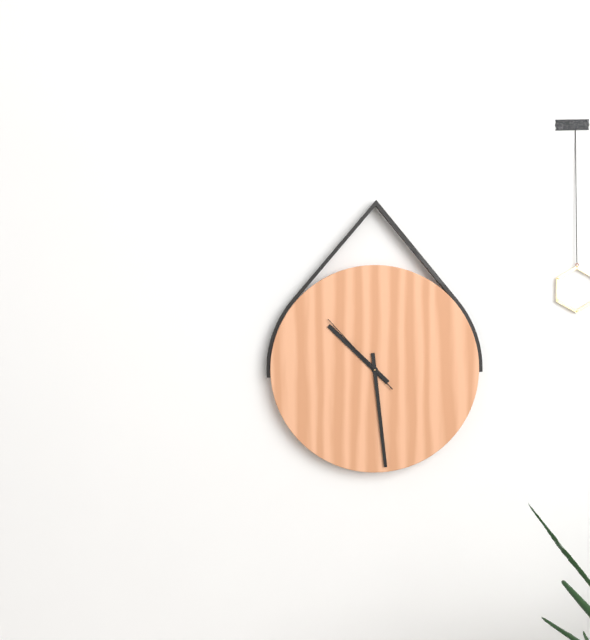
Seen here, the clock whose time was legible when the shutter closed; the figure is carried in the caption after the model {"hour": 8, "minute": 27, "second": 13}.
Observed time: {"hour": 10, "minute": 29, "second": 53}
